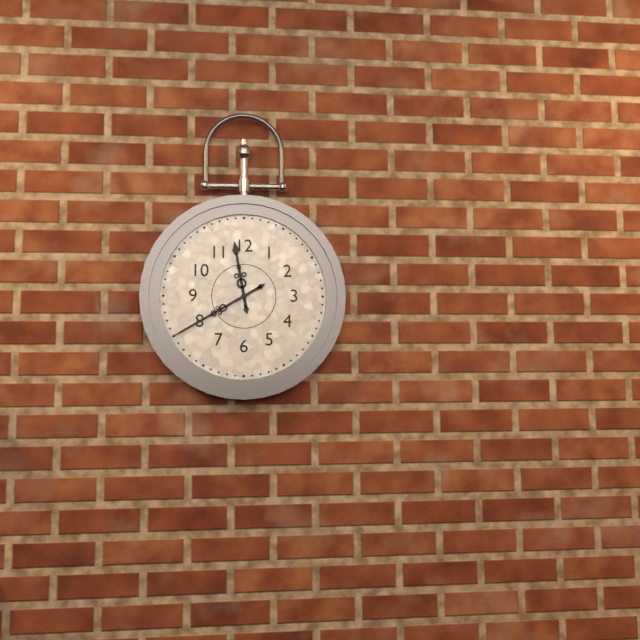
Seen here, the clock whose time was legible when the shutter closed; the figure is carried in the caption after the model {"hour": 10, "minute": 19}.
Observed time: {"hour": 11, "minute": 40}
